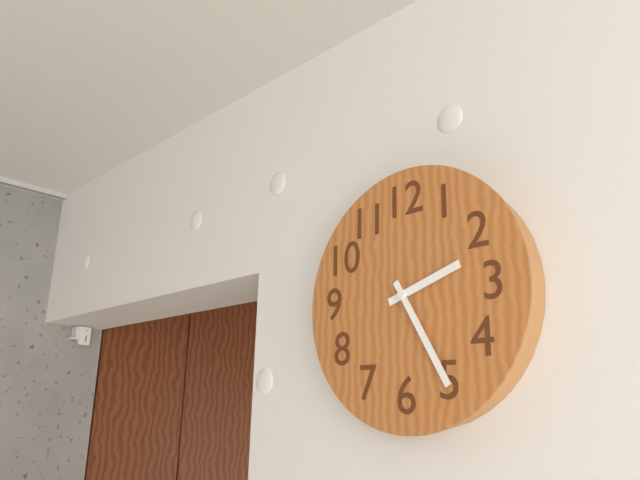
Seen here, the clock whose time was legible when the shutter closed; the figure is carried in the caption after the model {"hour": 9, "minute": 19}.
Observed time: {"hour": 2, "minute": 25}
